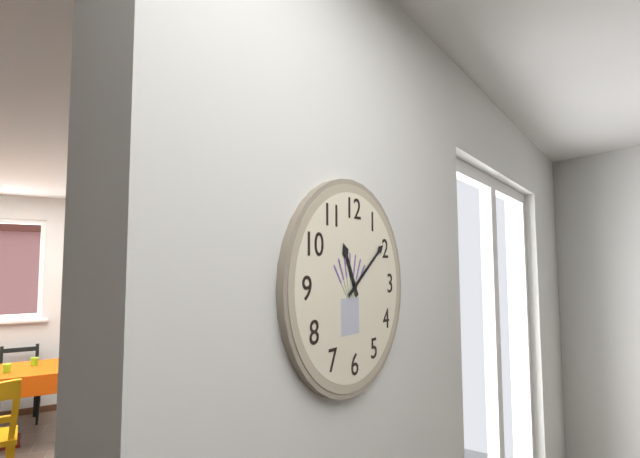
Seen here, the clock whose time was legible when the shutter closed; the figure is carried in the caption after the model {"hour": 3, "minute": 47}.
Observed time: {"hour": 11, "minute": 9}
